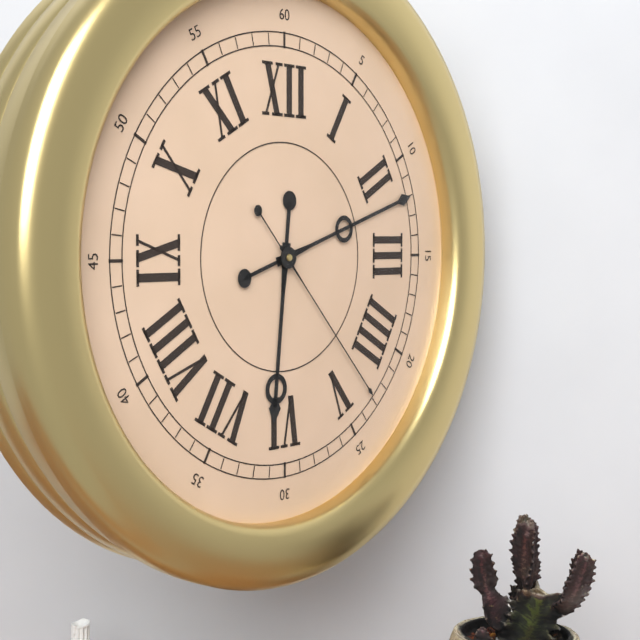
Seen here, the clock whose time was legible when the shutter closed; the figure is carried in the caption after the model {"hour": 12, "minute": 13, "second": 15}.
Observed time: {"hour": 6, "minute": 12, "second": 23}
